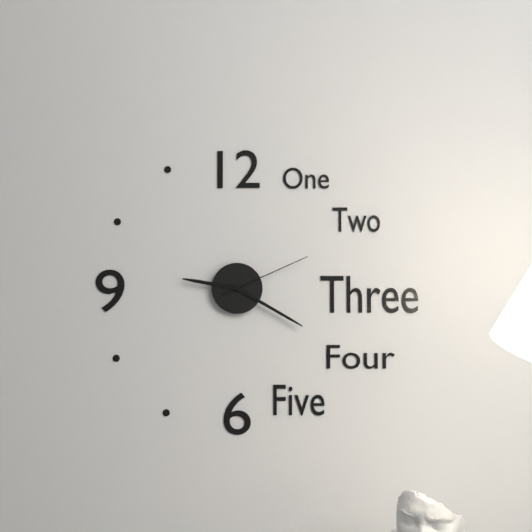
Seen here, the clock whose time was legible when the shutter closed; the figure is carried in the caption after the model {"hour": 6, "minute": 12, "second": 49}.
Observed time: {"hour": 9, "minute": 20, "second": 11}
